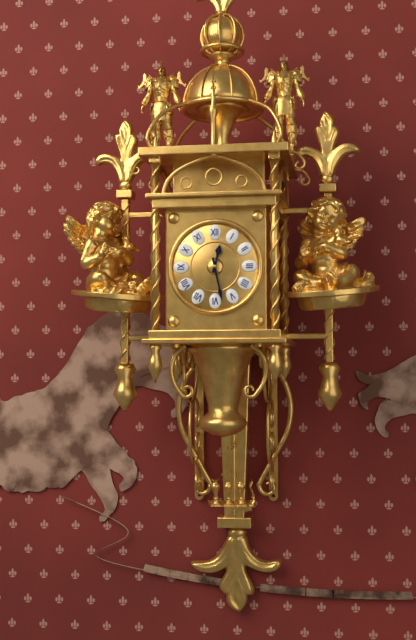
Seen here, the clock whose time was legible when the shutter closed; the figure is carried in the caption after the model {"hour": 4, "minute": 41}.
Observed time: {"hour": 12, "minute": 28}
